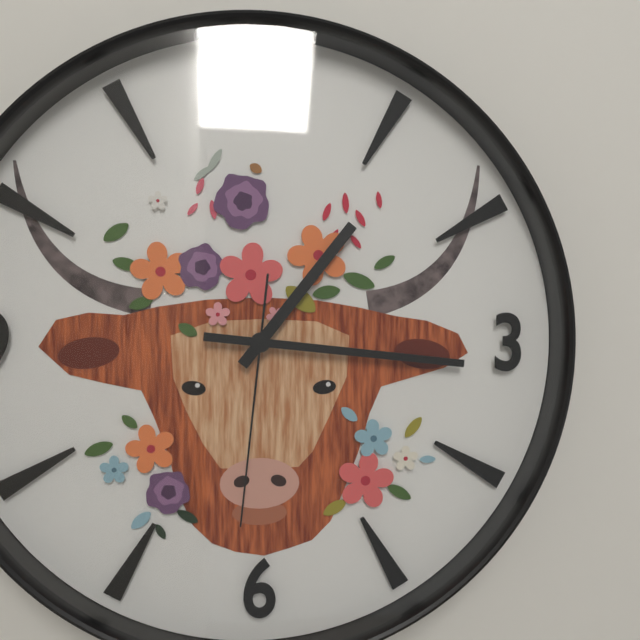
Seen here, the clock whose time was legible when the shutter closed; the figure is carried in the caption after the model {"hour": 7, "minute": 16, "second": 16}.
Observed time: {"hour": 1, "minute": 16, "second": 31}
